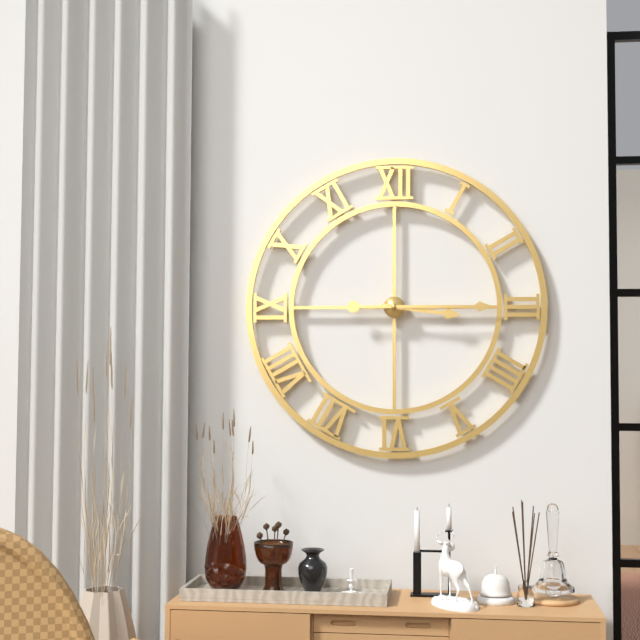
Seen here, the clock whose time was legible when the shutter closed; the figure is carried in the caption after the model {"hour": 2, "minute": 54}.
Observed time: {"hour": 3, "minute": 15}
